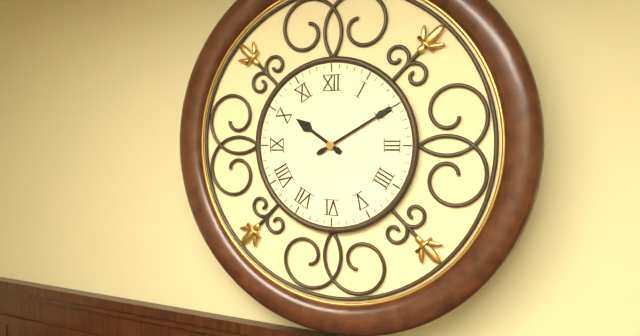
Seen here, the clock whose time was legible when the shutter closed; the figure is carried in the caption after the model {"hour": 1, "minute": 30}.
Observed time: {"hour": 10, "minute": 10}
